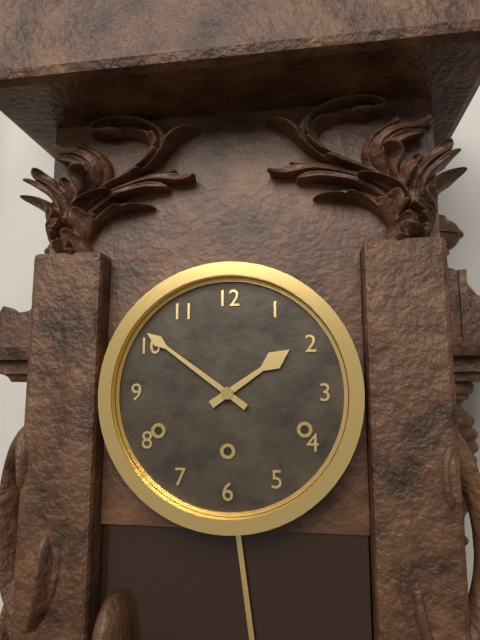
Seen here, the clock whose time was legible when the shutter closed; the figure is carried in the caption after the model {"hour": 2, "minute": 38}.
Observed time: {"hour": 1, "minute": 51}
